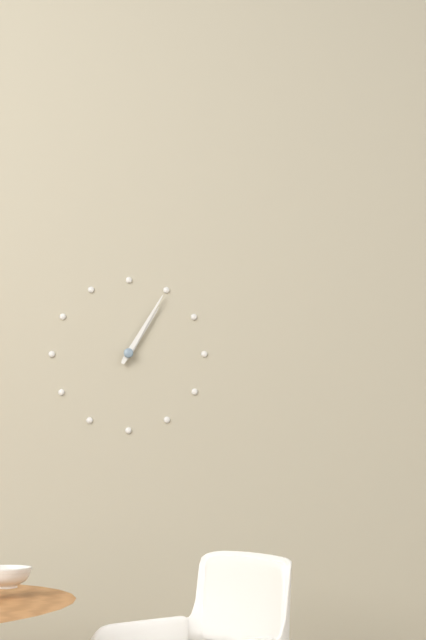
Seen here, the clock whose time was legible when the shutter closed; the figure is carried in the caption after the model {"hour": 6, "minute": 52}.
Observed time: {"hour": 1, "minute": 5}
